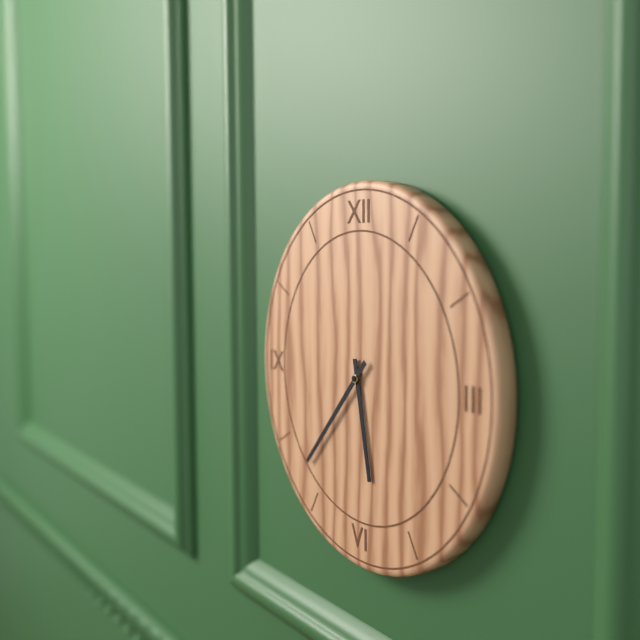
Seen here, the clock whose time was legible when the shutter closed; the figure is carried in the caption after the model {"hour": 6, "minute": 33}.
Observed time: {"hour": 5, "minute": 37}
